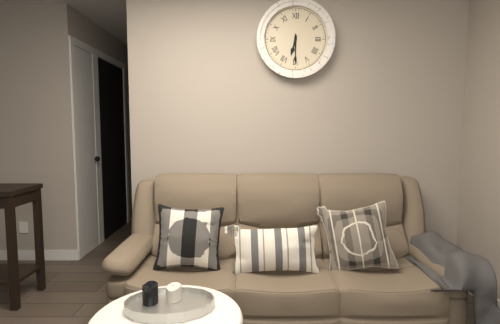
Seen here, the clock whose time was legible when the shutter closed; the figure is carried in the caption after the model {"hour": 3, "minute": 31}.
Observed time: {"hour": 6, "minute": 30}
